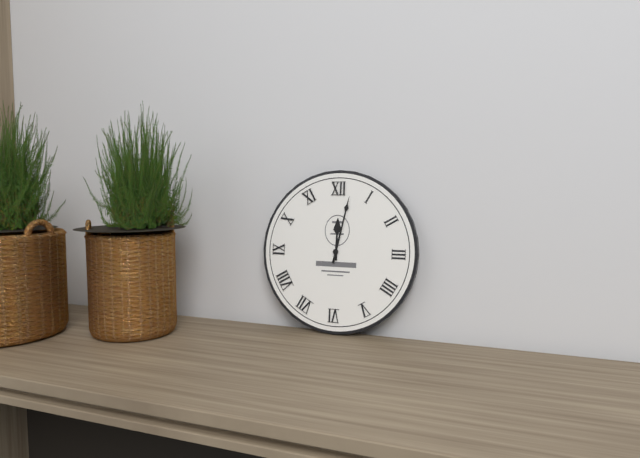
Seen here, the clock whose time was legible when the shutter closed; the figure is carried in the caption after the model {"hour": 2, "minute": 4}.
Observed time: {"hour": 12, "minute": 2}
